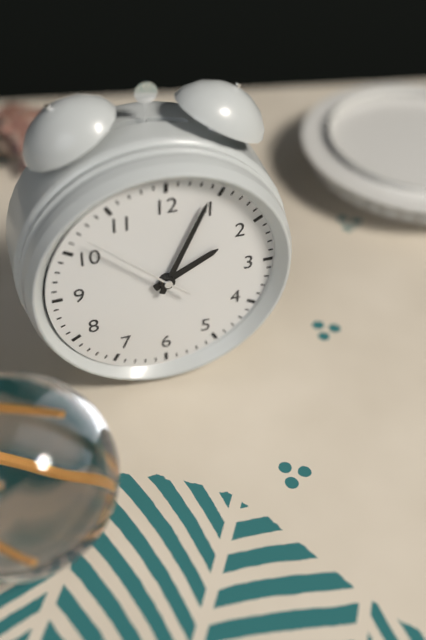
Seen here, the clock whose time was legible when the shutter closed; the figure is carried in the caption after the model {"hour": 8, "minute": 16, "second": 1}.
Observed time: {"hour": 2, "minute": 4, "second": 52}
